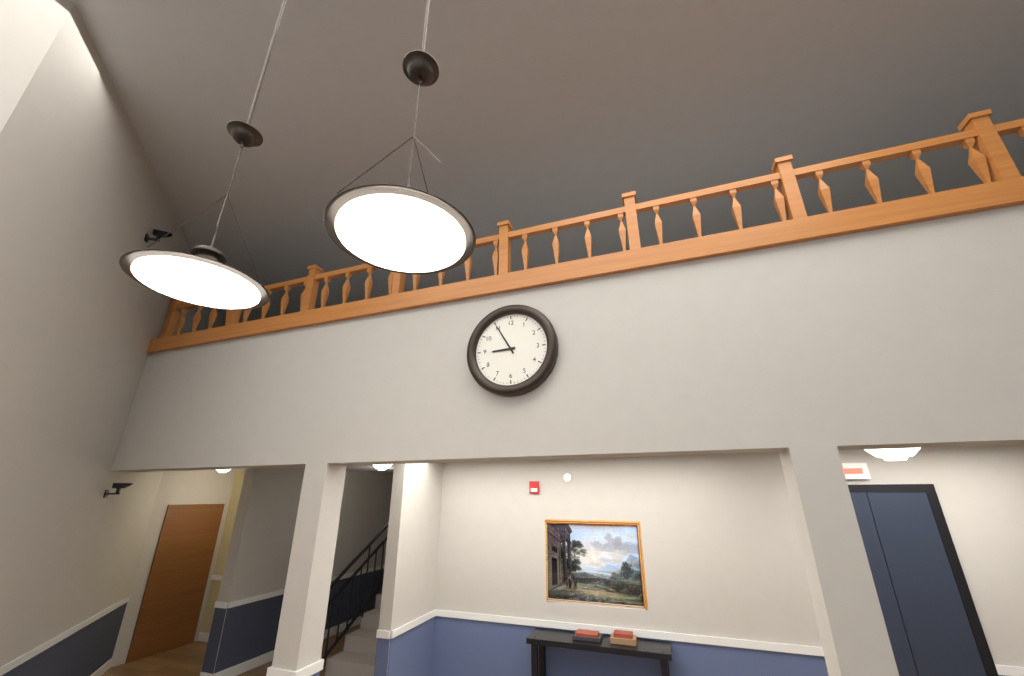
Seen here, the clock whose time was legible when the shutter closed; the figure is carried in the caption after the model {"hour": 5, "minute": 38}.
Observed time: {"hour": 8, "minute": 55}
